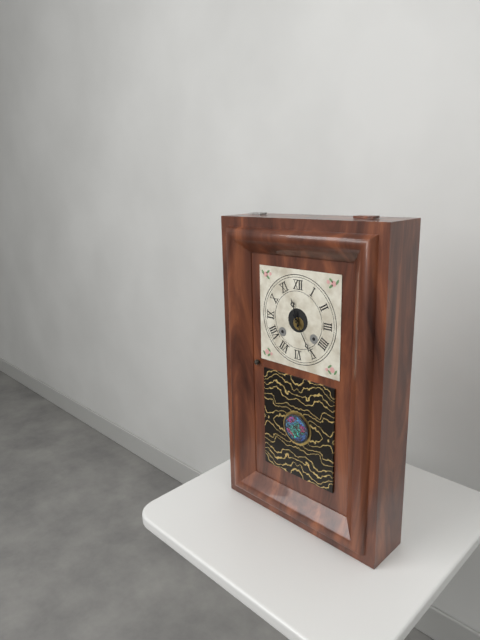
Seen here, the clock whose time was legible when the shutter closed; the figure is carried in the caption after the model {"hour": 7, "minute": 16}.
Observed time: {"hour": 11, "minute": 25}
